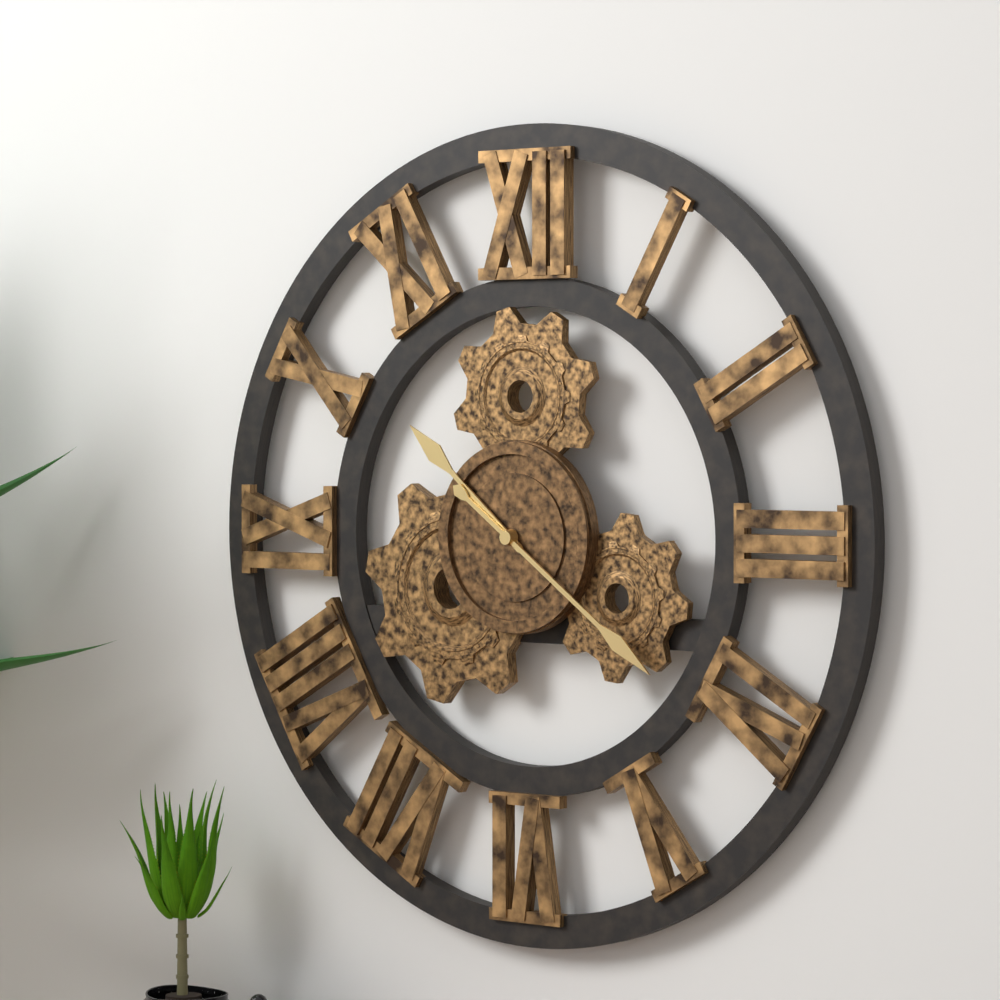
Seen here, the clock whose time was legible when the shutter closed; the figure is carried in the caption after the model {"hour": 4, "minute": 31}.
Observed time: {"hour": 10, "minute": 21}
